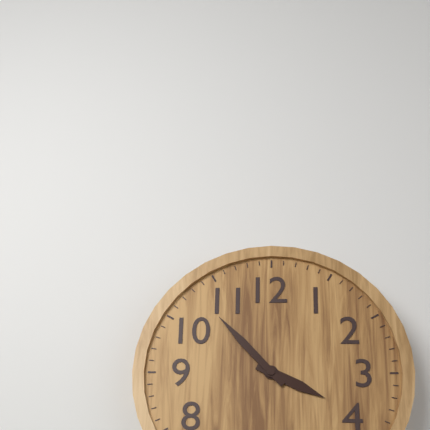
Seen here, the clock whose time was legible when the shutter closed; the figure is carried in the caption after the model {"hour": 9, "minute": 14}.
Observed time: {"hour": 3, "minute": 53}
